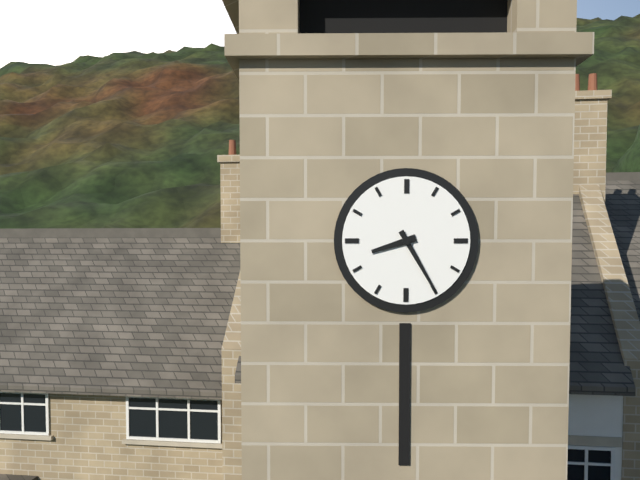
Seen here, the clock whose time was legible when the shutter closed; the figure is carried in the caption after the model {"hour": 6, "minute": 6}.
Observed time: {"hour": 8, "minute": 25}
